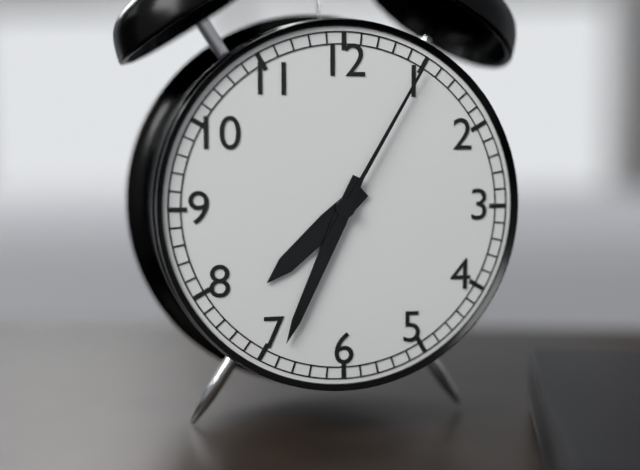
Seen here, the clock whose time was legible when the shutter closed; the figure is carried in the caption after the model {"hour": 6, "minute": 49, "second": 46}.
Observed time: {"hour": 7, "minute": 34, "second": 5}
